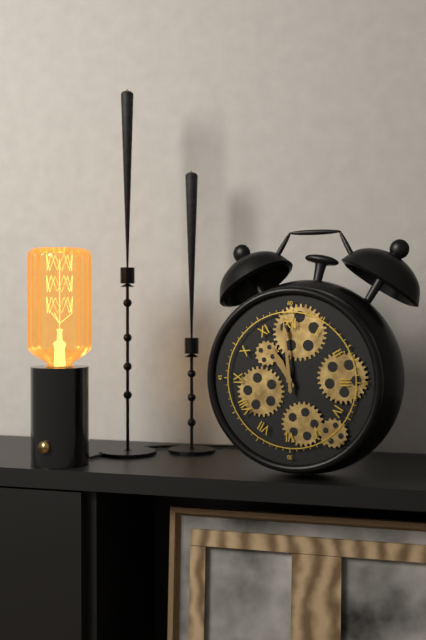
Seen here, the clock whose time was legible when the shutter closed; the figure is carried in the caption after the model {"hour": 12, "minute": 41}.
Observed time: {"hour": 10, "minute": 59}
